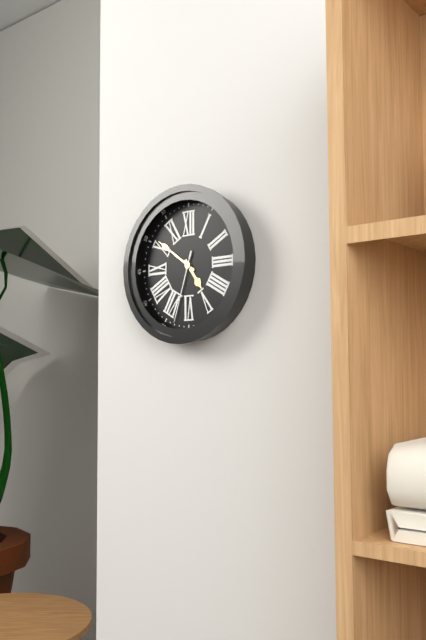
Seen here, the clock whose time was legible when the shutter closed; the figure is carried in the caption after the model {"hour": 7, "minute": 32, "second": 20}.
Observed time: {"hour": 4, "minute": 51, "second": 33}
